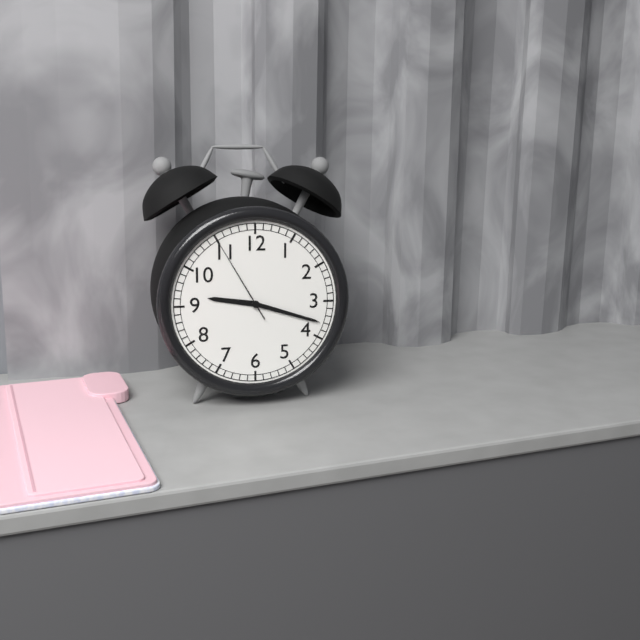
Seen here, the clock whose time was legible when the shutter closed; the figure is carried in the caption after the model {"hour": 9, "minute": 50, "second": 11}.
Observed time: {"hour": 9, "minute": 18, "second": 55}
